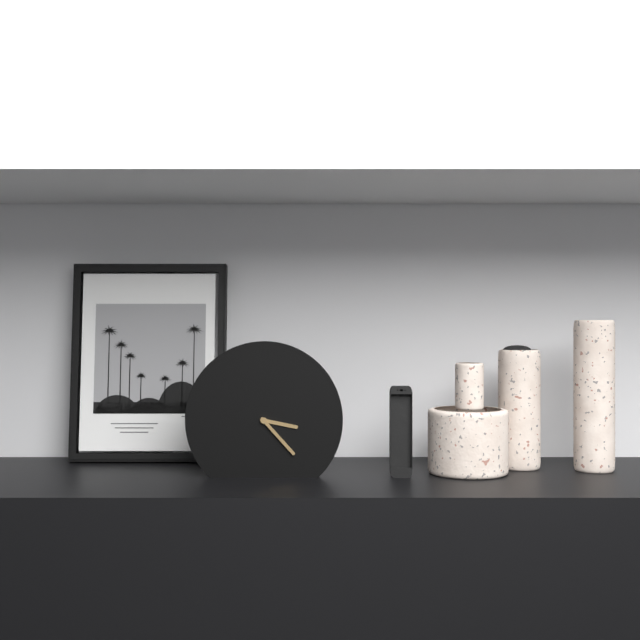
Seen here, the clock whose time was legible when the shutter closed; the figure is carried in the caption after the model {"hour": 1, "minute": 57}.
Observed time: {"hour": 3, "minute": 23}
